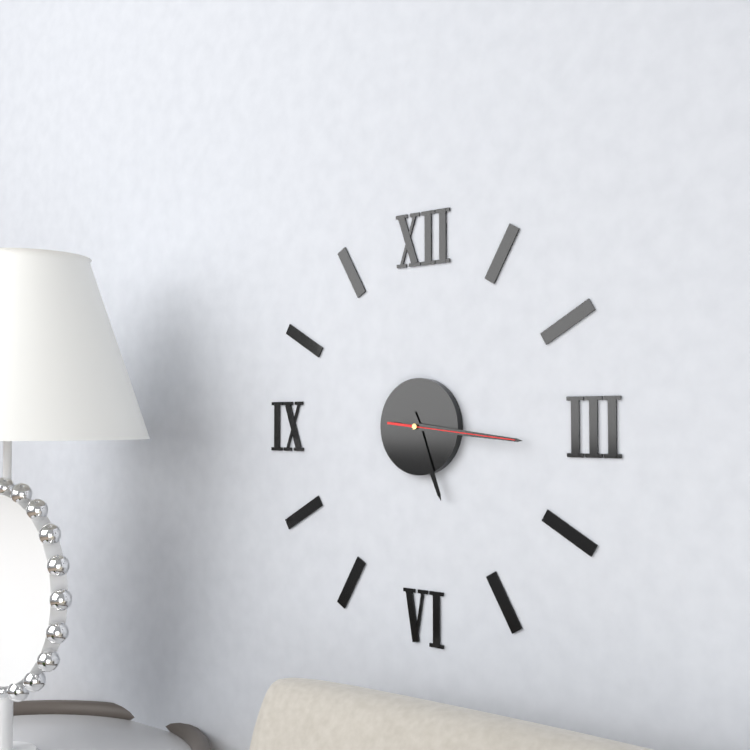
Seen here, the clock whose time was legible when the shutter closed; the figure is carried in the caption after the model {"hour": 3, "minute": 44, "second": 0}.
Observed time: {"hour": 5, "minute": 16, "second": 16}
